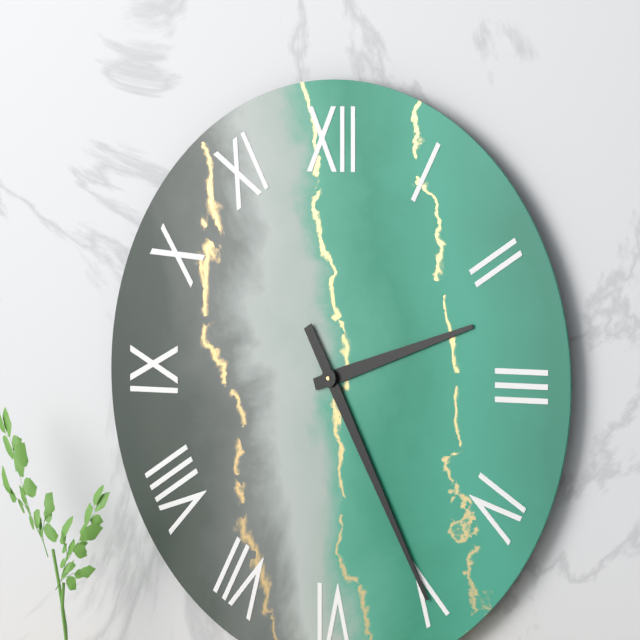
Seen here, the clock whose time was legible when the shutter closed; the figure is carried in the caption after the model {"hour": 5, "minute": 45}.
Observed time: {"hour": 2, "minute": 25}
